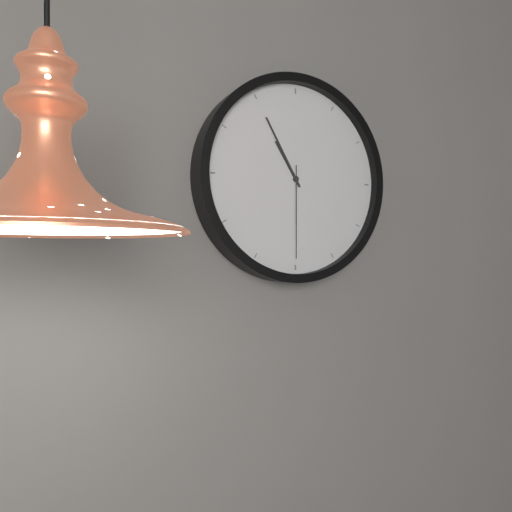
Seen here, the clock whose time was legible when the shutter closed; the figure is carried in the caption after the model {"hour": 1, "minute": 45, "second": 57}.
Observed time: {"hour": 10, "minute": 55, "second": 30}
